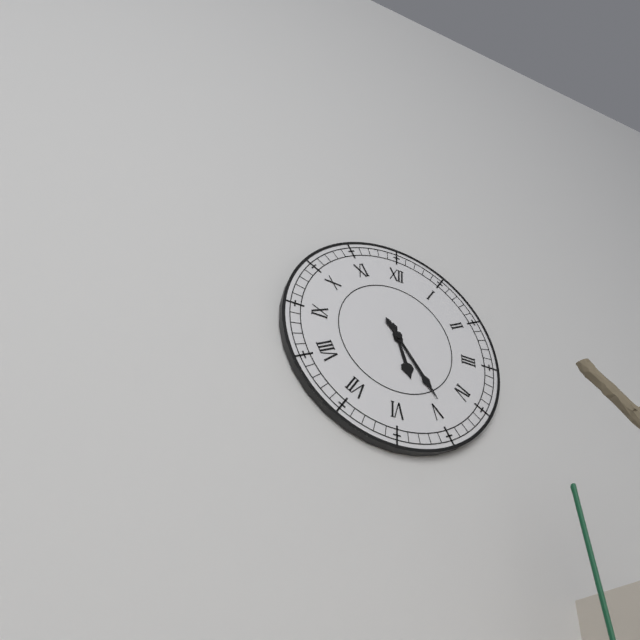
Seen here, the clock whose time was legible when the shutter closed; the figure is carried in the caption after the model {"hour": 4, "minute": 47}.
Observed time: {"hour": 5, "minute": 24}
